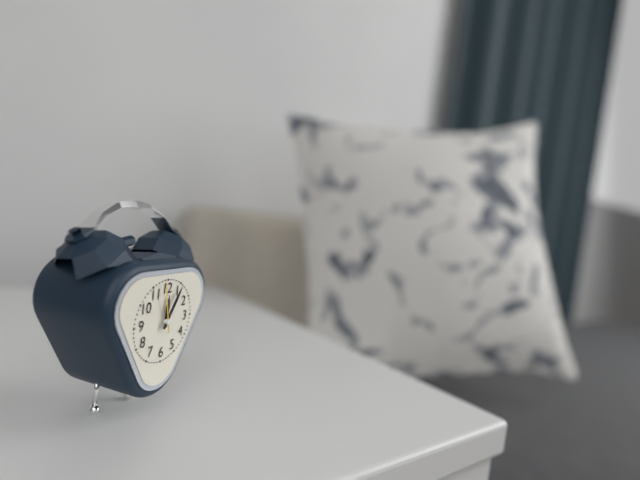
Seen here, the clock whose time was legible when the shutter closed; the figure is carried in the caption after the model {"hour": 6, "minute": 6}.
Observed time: {"hour": 12, "minute": 5}
